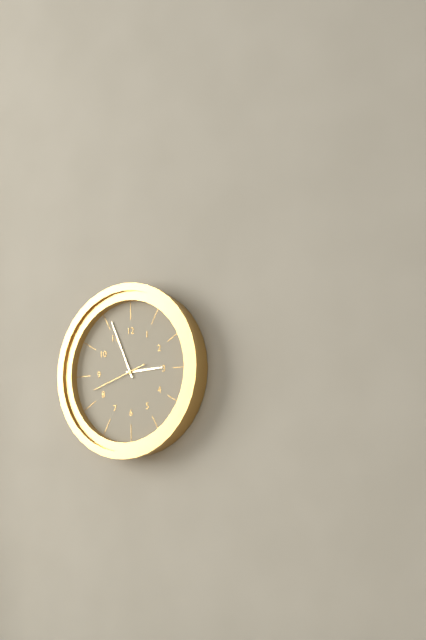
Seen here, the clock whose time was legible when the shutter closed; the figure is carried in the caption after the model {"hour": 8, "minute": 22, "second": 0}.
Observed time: {"hour": 2, "minute": 56, "second": 42}
